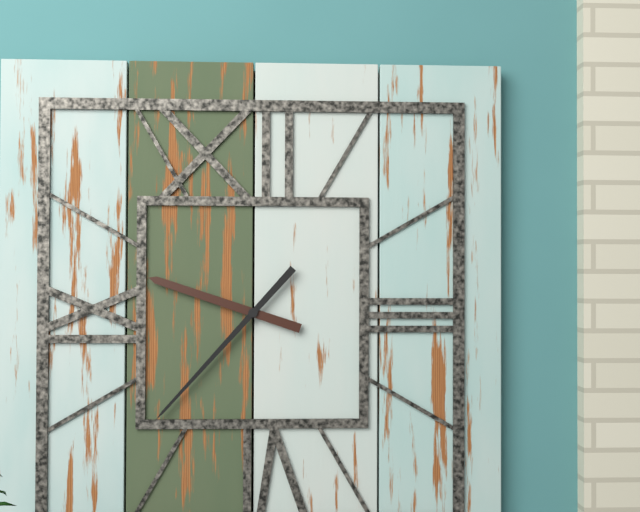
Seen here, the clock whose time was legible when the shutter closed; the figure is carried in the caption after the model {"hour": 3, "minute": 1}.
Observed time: {"hour": 9, "minute": 37}
